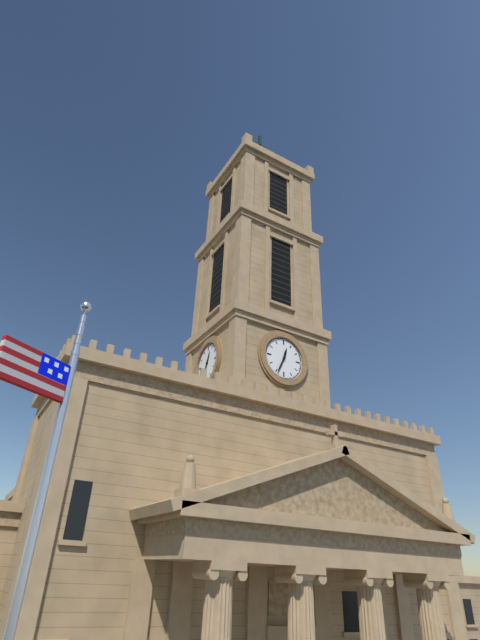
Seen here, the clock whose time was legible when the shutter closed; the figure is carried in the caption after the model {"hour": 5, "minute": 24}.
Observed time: {"hour": 12, "minute": 34}
